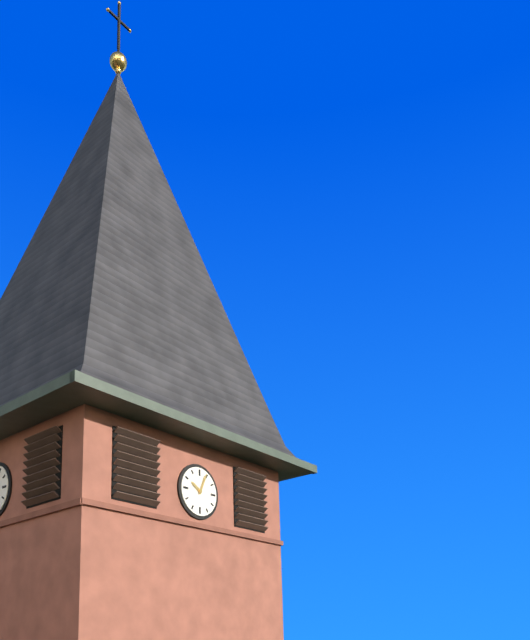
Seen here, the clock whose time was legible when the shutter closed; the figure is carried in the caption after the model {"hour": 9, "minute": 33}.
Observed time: {"hour": 10, "minute": 4}
